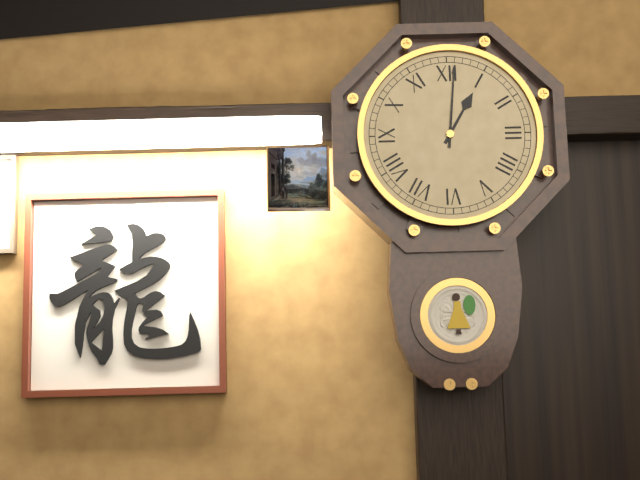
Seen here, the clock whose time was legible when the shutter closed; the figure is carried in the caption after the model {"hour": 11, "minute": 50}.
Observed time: {"hour": 1, "minute": 1}
